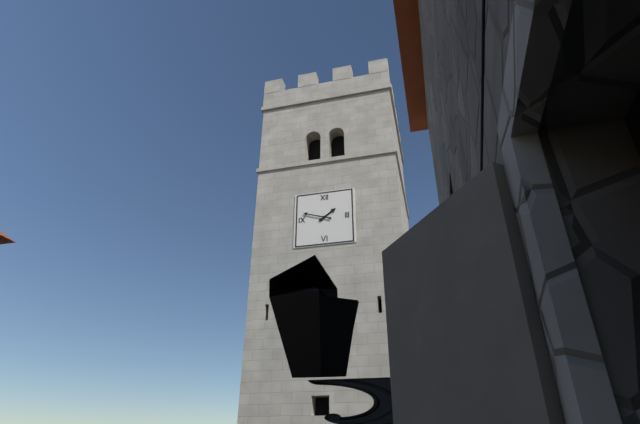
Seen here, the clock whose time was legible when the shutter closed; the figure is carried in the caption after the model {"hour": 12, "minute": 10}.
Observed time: {"hour": 1, "minute": 48}
